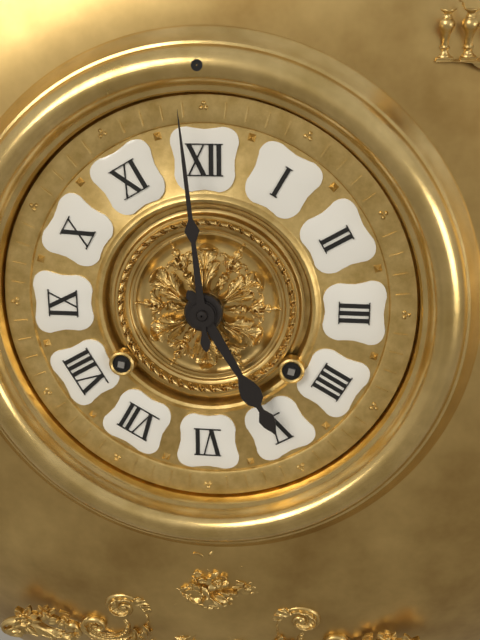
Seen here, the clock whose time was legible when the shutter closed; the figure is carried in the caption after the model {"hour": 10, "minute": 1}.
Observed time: {"hour": 4, "minute": 59}
